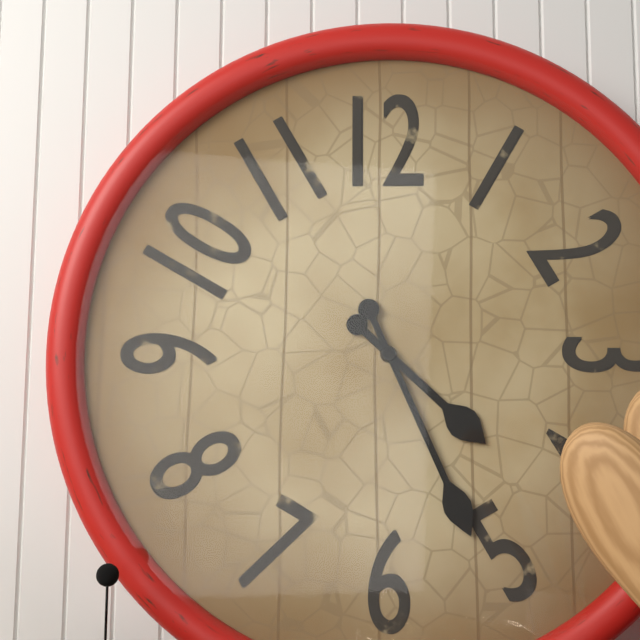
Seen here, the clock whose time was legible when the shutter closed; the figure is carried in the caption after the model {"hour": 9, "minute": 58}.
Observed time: {"hour": 4, "minute": 26}
